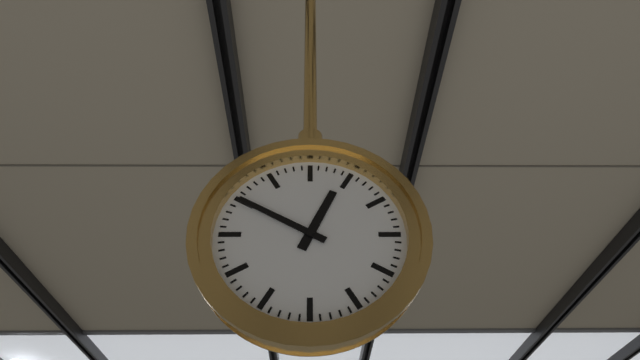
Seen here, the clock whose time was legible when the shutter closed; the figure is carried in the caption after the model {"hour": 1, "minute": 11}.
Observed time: {"hour": 12, "minute": 50}
